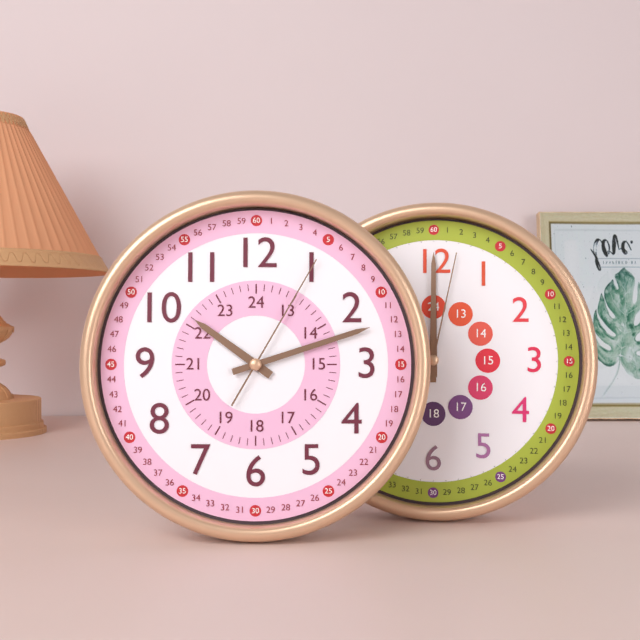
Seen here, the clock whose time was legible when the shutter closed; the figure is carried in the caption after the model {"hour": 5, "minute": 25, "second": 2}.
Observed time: {"hour": 10, "minute": 12, "second": 5}
